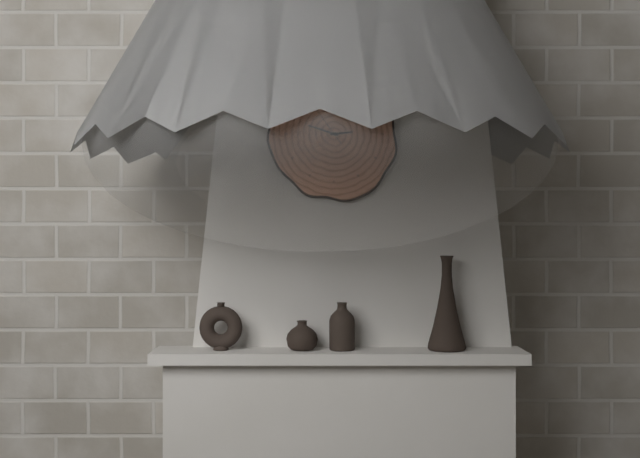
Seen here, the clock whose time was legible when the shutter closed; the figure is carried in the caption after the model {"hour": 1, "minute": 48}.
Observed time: {"hour": 2, "minute": 48}
